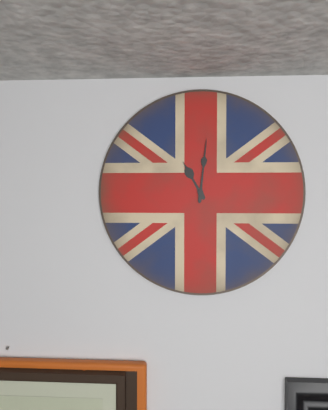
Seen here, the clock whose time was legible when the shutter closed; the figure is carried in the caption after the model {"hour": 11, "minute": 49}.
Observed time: {"hour": 11, "minute": 1}
